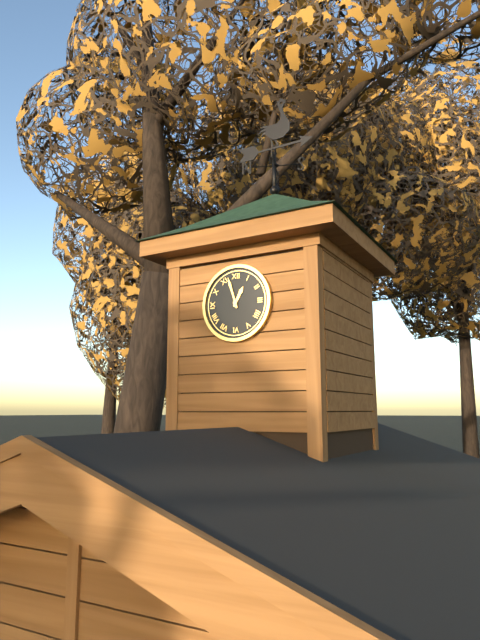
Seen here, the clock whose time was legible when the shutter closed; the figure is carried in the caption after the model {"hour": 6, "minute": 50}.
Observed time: {"hour": 12, "minute": 57}
